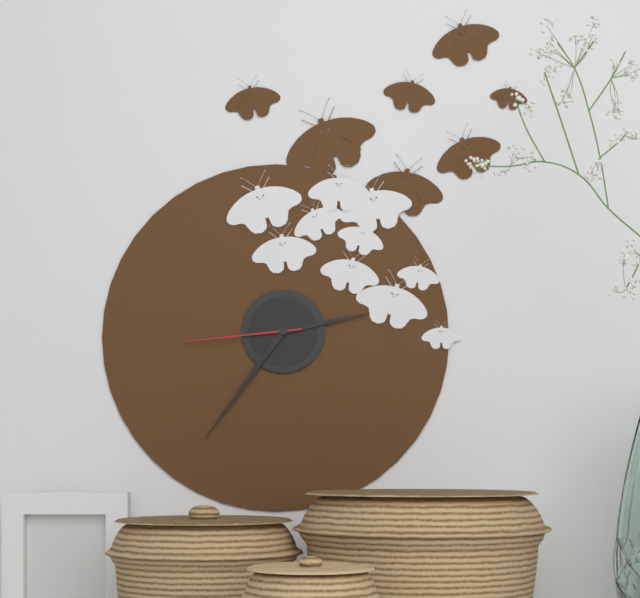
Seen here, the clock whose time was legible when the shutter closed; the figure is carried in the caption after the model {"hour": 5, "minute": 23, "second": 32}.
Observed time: {"hour": 2, "minute": 36, "second": 44}
